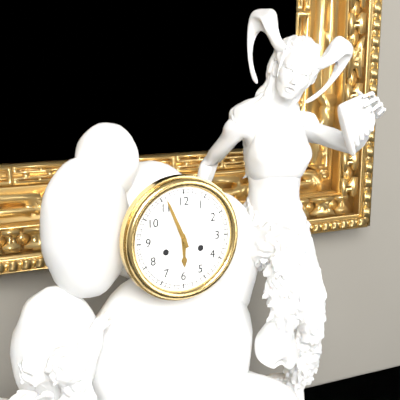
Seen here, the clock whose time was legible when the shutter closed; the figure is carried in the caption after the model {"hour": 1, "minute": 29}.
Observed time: {"hour": 5, "minute": 56}
